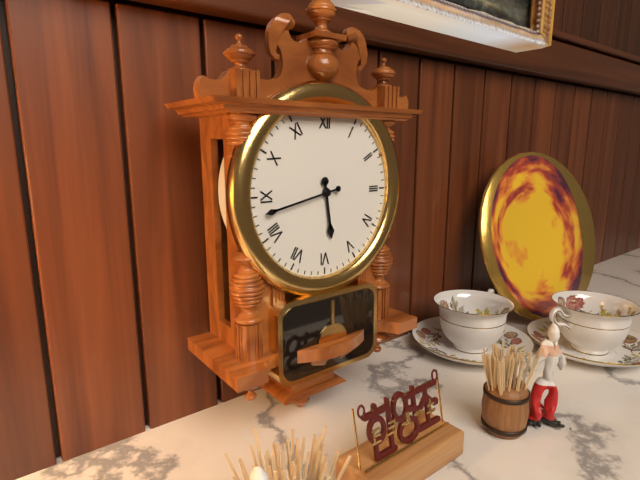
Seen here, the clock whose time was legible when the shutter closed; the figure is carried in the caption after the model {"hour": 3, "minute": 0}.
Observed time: {"hour": 5, "minute": 43}
